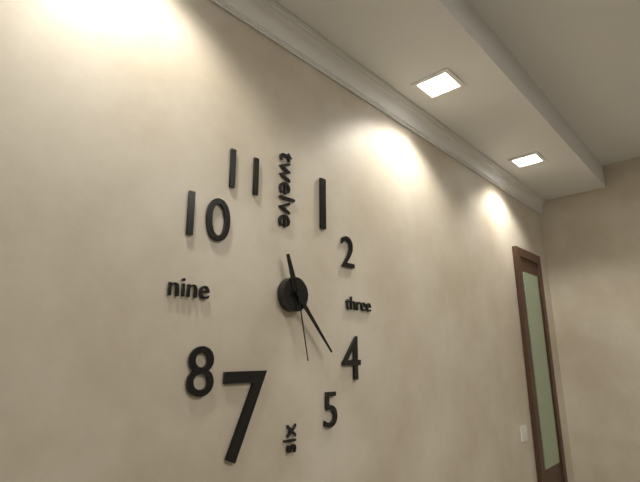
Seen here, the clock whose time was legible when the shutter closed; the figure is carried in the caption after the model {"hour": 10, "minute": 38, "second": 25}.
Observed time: {"hour": 11, "minute": 23, "second": 28}
